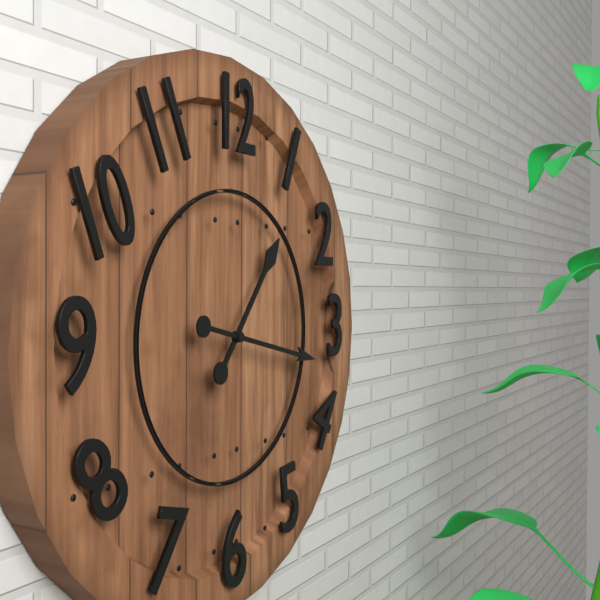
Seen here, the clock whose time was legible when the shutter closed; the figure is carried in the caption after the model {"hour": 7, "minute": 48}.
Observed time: {"hour": 1, "minute": 17}
